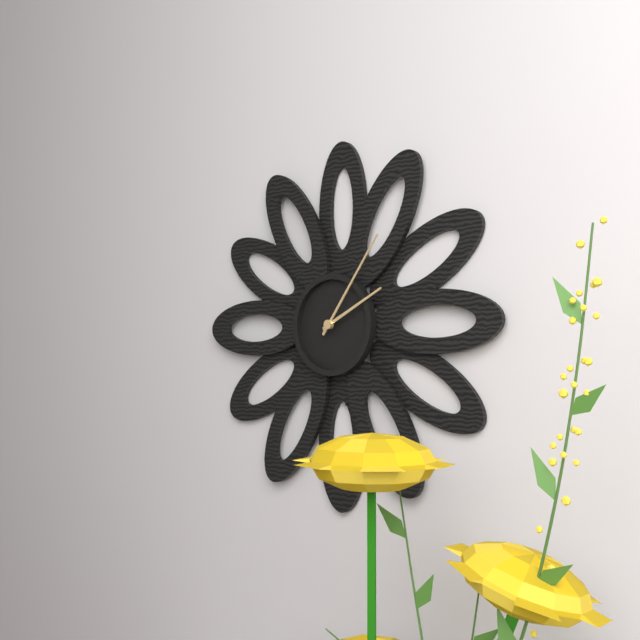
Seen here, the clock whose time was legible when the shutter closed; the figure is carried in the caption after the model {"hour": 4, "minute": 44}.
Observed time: {"hour": 2, "minute": 6}
